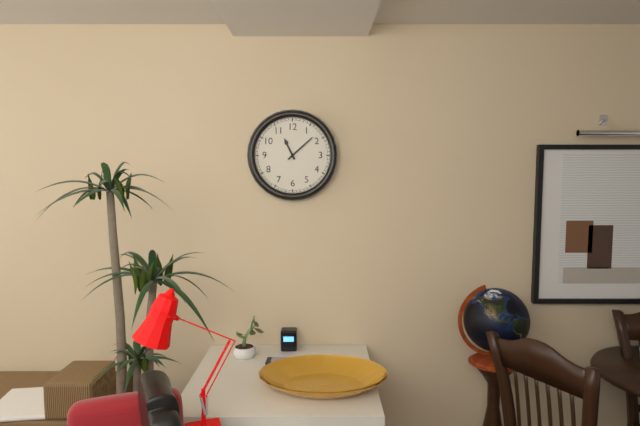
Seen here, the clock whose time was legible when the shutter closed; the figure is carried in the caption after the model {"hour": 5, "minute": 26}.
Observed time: {"hour": 11, "minute": 8}
